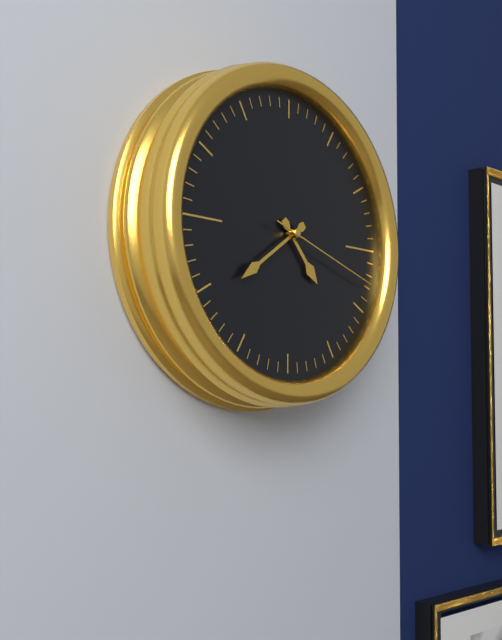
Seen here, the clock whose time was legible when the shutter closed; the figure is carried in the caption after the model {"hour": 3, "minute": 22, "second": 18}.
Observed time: {"hour": 4, "minute": 39, "second": 18}
